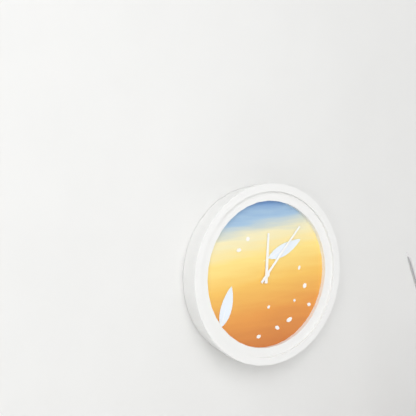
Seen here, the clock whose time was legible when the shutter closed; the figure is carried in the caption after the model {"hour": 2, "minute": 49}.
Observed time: {"hour": 12, "minute": 7}
